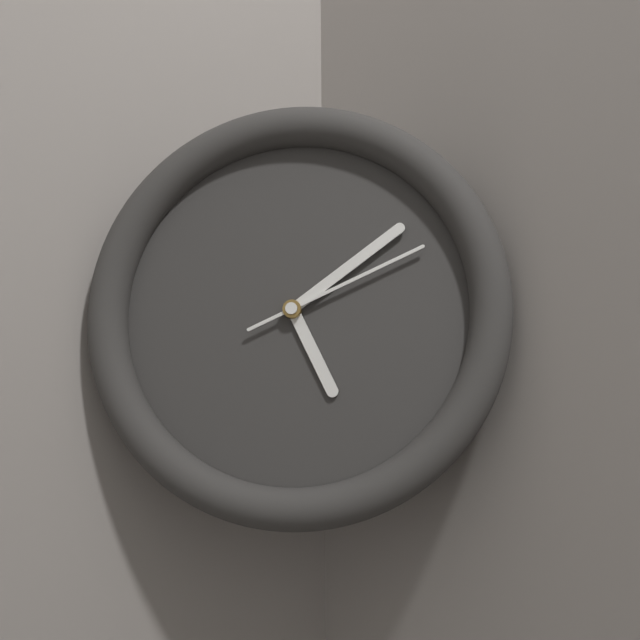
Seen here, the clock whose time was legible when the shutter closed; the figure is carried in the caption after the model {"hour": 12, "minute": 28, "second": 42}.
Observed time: {"hour": 5, "minute": 9, "second": 11}
